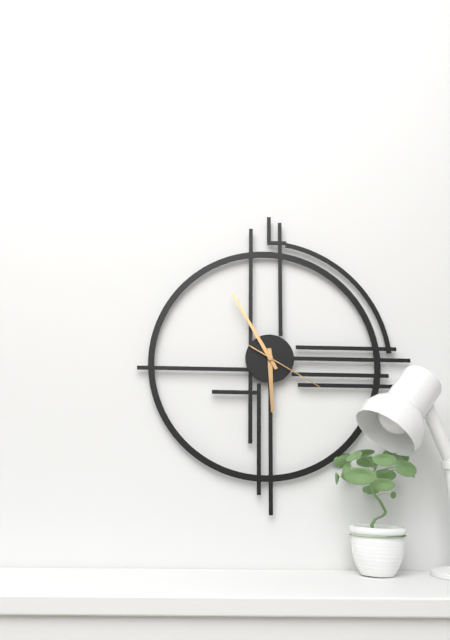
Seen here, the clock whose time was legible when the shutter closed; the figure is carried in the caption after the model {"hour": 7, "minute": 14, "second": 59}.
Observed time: {"hour": 5, "minute": 55, "second": 20}
